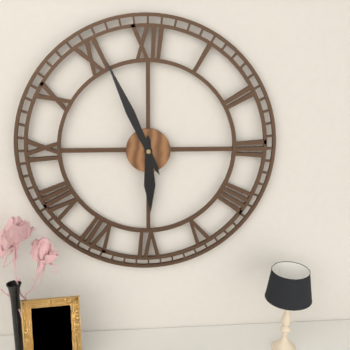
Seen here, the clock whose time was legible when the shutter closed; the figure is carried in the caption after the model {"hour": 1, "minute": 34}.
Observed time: {"hour": 5, "minute": 56}
